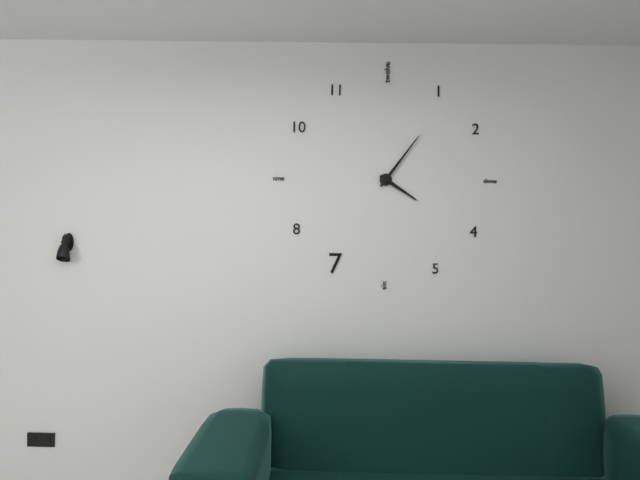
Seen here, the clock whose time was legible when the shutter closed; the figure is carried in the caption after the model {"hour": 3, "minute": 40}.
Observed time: {"hour": 4, "minute": 6}
